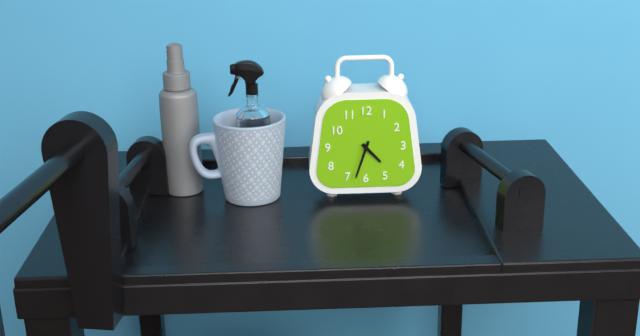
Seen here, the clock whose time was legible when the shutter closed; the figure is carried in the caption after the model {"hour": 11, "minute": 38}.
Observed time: {"hour": 4, "minute": 33}
